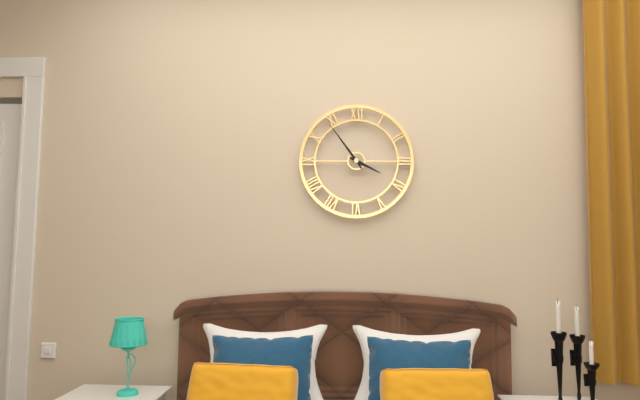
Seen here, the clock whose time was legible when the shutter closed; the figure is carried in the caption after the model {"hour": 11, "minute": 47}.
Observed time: {"hour": 3, "minute": 54}
